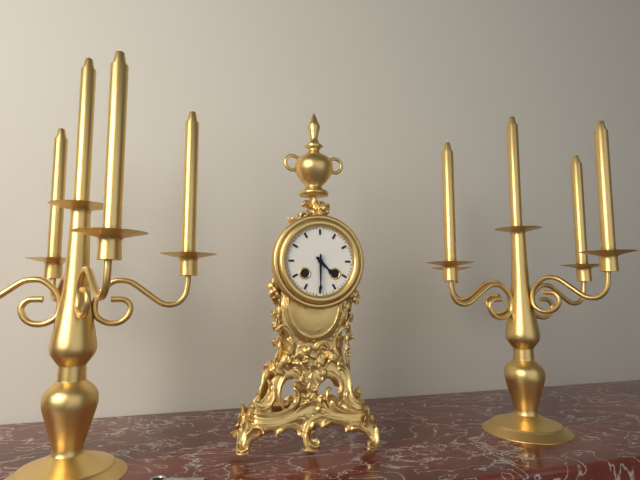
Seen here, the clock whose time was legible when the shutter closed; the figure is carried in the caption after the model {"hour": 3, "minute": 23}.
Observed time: {"hour": 4, "minute": 30}
